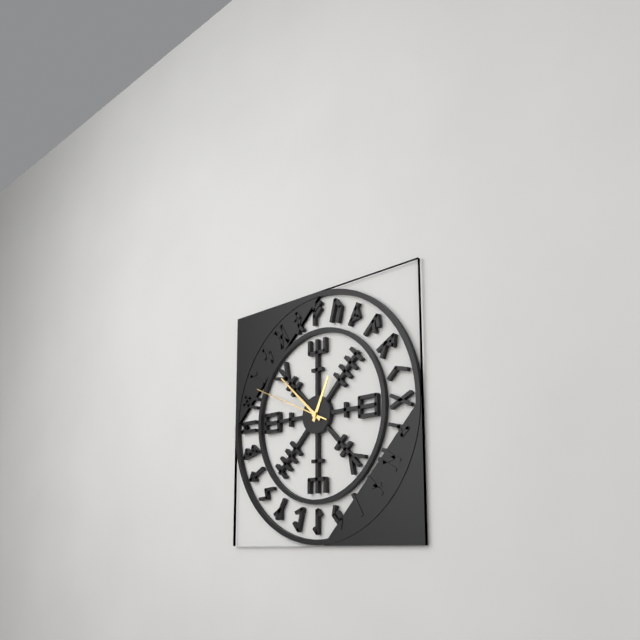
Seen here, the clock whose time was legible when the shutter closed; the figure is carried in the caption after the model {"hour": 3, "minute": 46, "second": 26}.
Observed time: {"hour": 12, "minute": 52, "second": 49}
